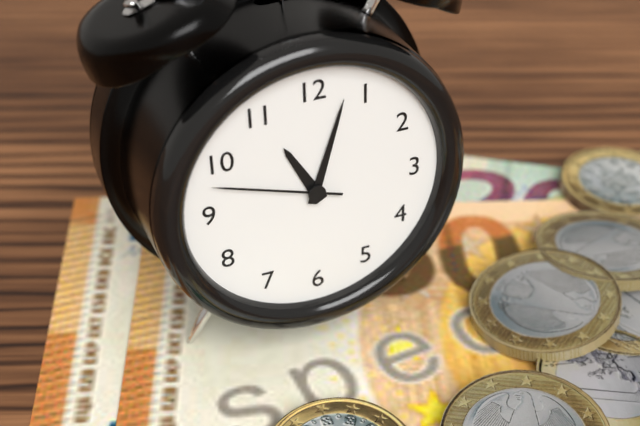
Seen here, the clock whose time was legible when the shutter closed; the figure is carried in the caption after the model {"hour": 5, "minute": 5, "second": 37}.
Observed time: {"hour": 11, "minute": 3, "second": 48}
